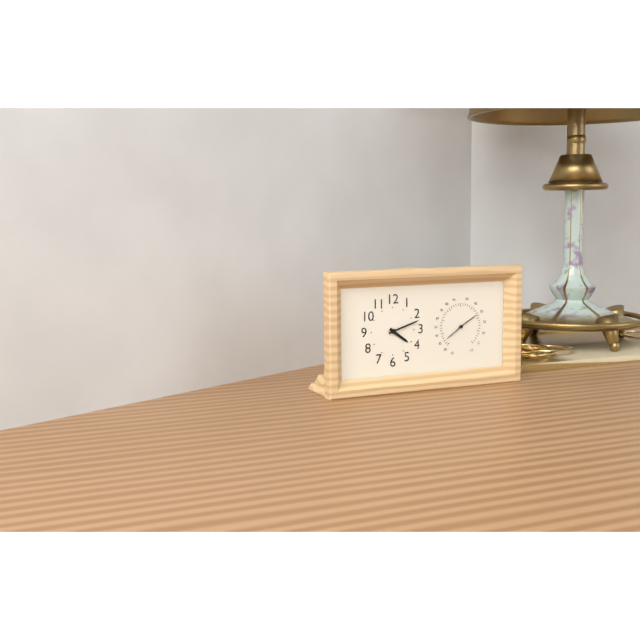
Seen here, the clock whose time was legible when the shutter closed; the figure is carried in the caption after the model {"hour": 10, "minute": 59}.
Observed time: {"hour": 4, "minute": 12}
